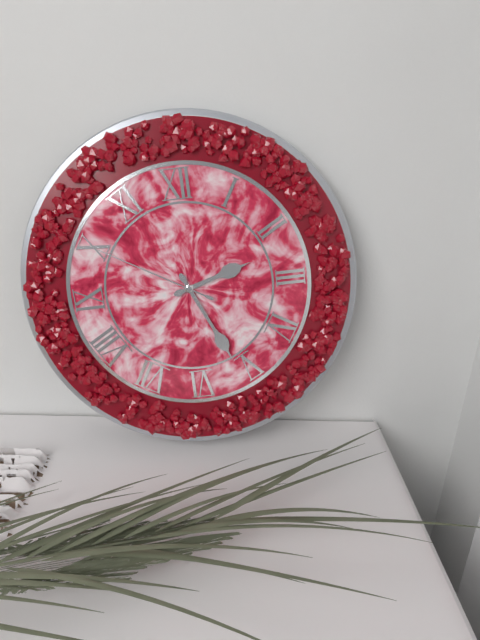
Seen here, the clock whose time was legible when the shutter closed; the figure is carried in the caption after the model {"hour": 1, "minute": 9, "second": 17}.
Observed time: {"hour": 2, "minute": 26, "second": 50}
